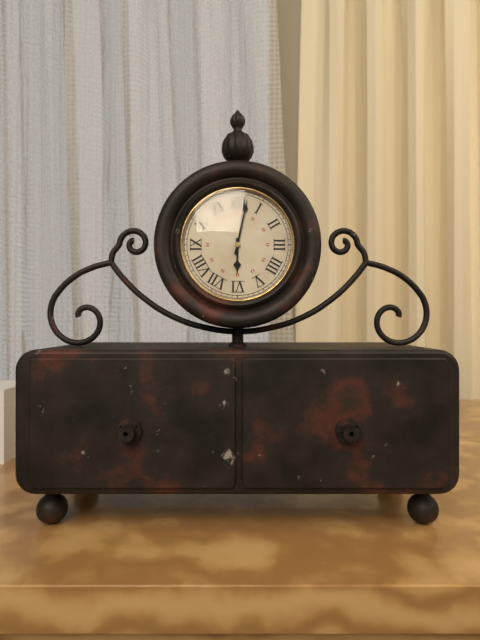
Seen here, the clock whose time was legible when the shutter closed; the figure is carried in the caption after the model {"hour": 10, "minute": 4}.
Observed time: {"hour": 6, "minute": 2}
